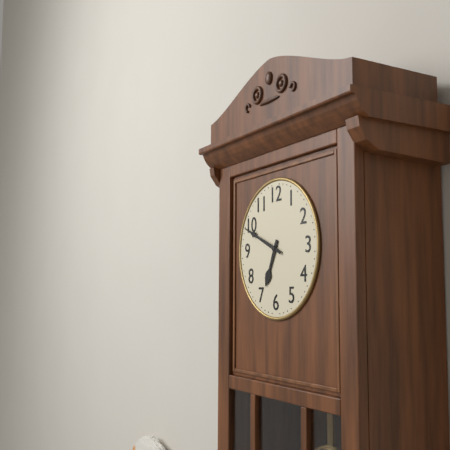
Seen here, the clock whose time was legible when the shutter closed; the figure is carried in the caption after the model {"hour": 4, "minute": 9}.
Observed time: {"hour": 6, "minute": 49}
